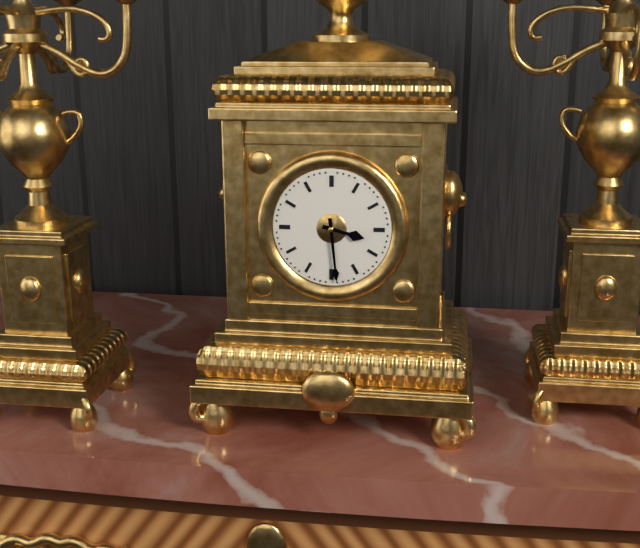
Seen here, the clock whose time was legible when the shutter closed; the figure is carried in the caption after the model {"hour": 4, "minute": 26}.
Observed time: {"hour": 3, "minute": 29}
